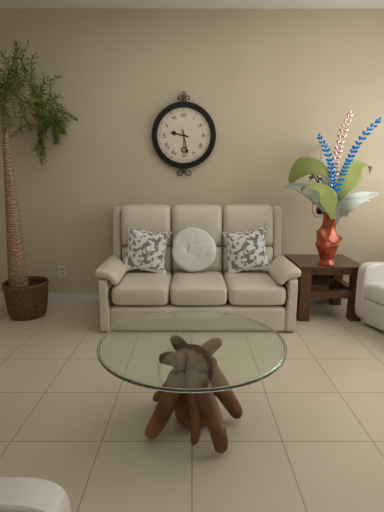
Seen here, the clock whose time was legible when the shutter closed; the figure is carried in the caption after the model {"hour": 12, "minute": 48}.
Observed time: {"hour": 9, "minute": 28}
